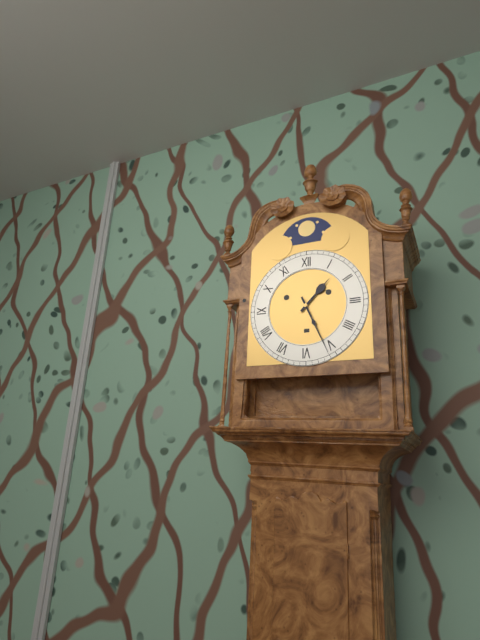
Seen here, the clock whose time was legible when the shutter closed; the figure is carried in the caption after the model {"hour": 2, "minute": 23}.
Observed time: {"hour": 1, "minute": 26}
